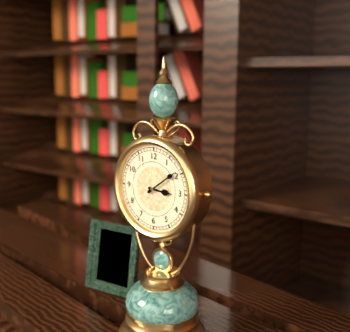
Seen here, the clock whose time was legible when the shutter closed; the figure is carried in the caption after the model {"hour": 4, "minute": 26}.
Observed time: {"hour": 3, "minute": 9}
